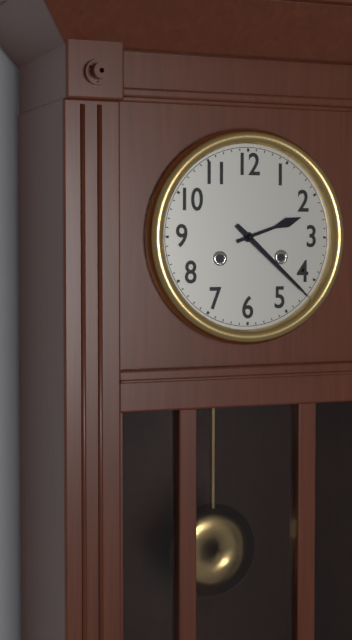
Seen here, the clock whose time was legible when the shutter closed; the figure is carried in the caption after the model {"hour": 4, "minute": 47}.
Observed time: {"hour": 2, "minute": 22}
